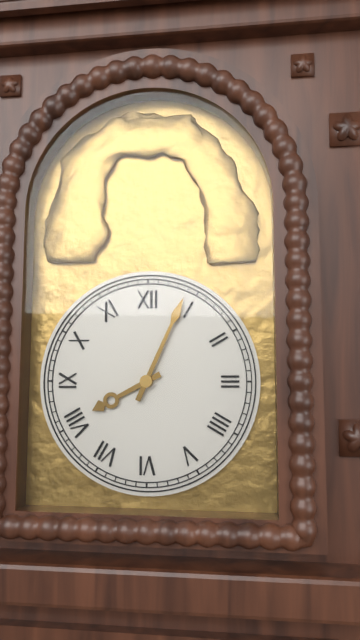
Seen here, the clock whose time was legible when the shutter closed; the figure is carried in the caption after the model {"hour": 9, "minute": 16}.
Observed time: {"hour": 8, "minute": 4}
